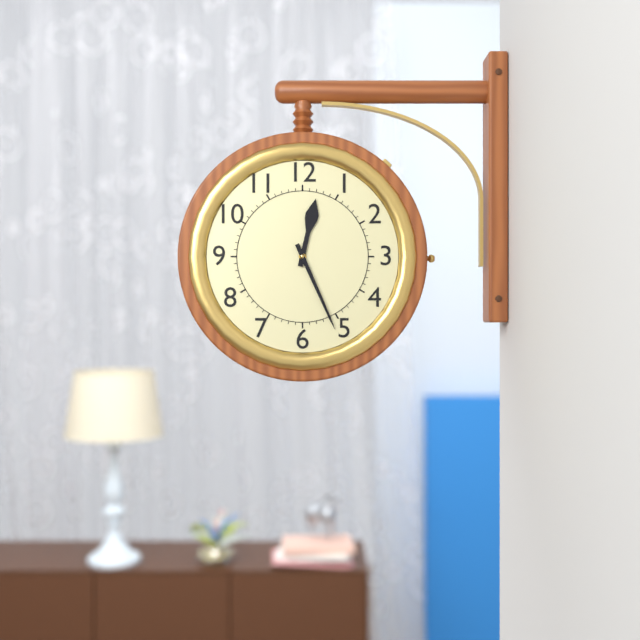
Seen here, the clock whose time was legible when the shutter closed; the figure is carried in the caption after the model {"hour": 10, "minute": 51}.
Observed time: {"hour": 12, "minute": 26}
